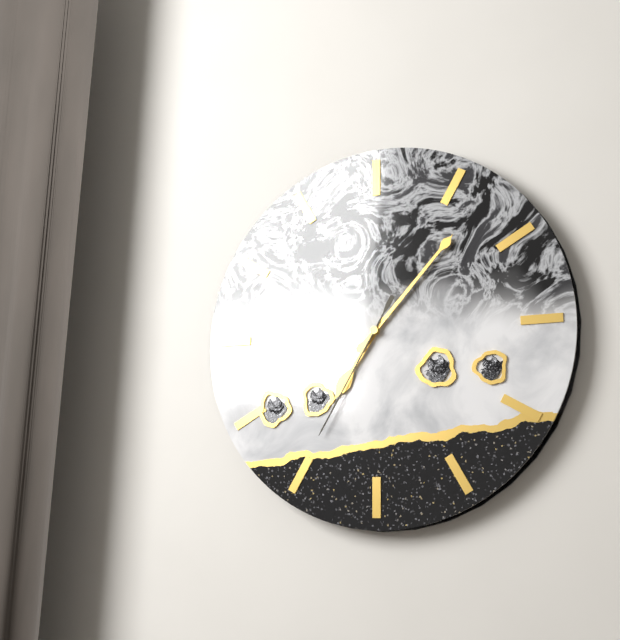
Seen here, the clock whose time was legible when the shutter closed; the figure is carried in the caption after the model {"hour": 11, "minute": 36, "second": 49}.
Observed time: {"hour": 7, "minute": 7, "second": 35}
